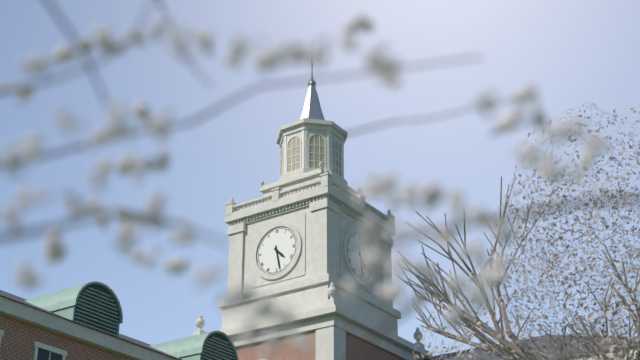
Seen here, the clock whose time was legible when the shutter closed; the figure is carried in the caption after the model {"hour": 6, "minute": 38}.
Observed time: {"hour": 4, "minute": 28}
